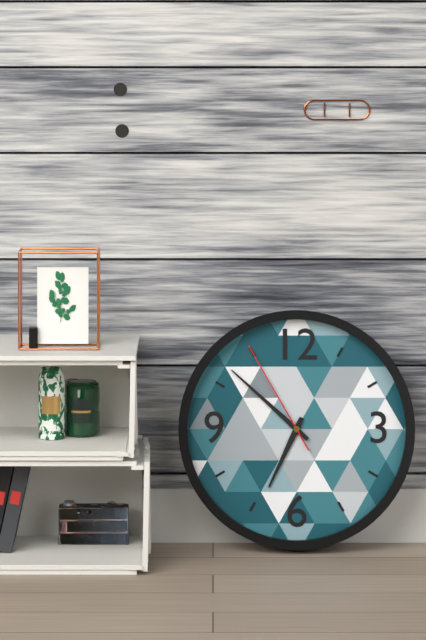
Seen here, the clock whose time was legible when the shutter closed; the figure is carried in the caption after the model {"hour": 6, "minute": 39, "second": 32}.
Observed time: {"hour": 6, "minute": 52, "second": 55}
